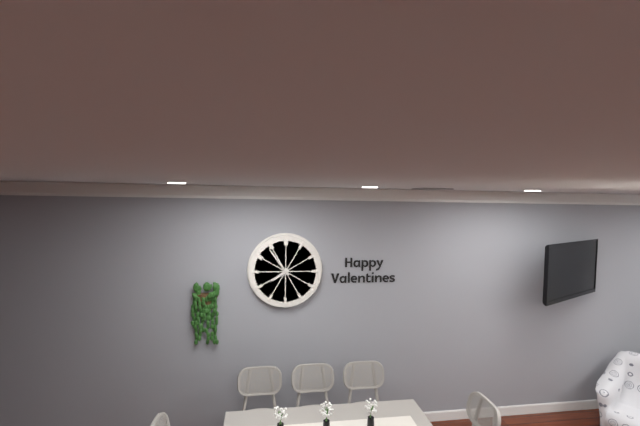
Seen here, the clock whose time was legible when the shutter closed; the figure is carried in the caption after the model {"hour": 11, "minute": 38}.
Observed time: {"hour": 7, "minute": 54}
